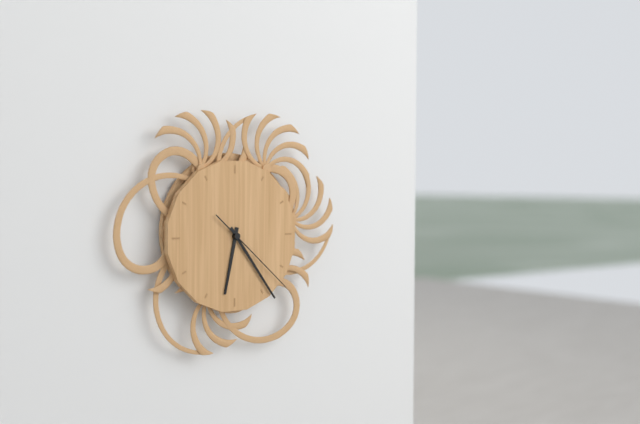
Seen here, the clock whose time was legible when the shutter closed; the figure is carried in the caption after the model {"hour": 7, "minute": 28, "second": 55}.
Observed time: {"hour": 6, "minute": 24, "second": 22}
